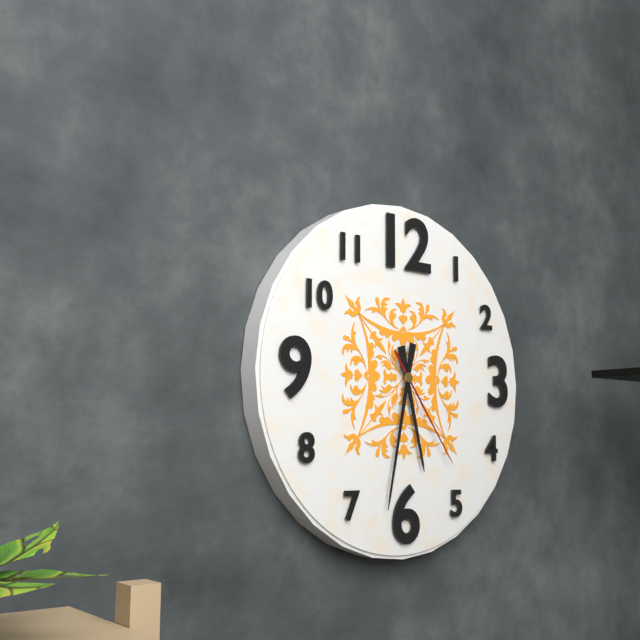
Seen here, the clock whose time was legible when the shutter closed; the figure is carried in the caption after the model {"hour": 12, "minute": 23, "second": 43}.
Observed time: {"hour": 5, "minute": 32, "second": 24}
